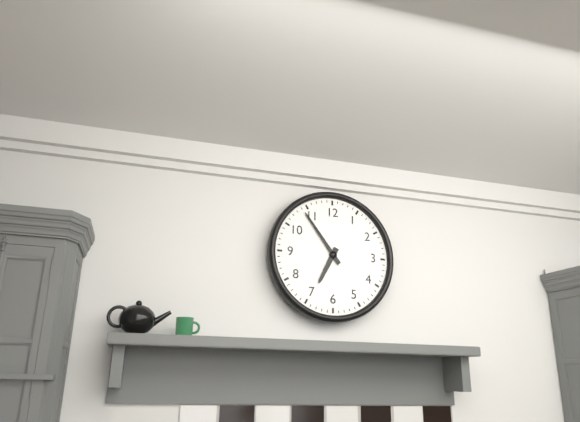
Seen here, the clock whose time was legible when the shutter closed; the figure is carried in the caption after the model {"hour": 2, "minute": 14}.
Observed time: {"hour": 6, "minute": 54}
